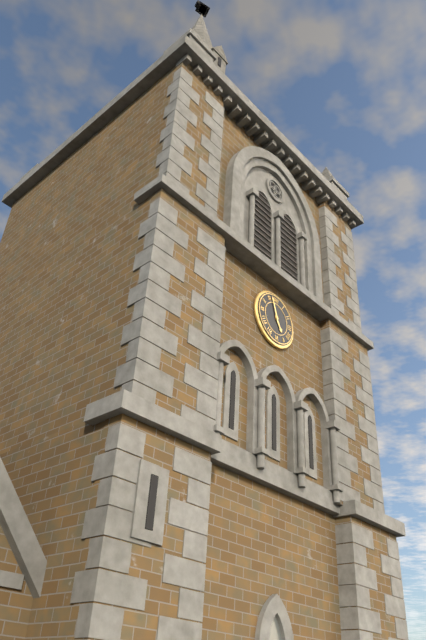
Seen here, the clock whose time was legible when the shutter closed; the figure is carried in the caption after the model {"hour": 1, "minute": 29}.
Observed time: {"hour": 4, "minute": 57}
